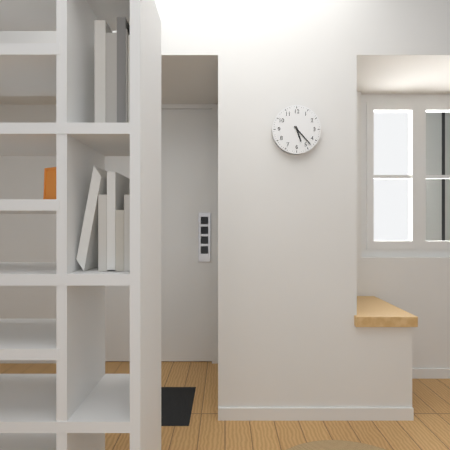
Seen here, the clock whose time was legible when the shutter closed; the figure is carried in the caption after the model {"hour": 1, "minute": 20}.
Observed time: {"hour": 5, "minute": 23}
